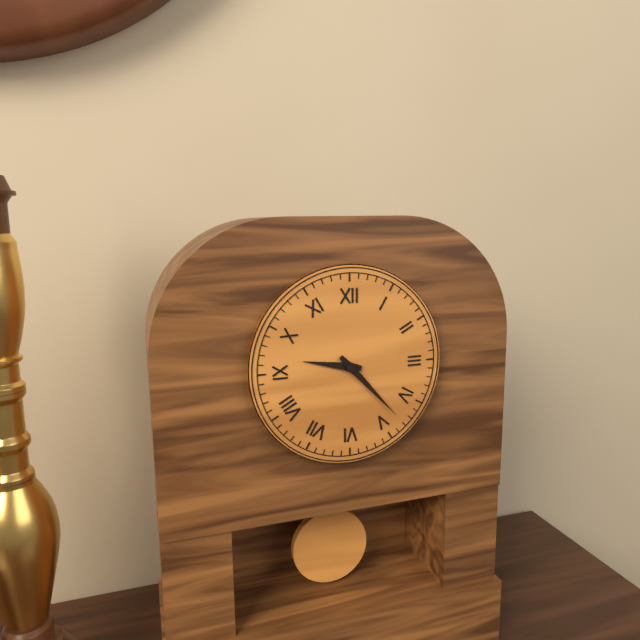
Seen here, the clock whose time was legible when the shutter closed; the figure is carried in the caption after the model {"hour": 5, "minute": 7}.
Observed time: {"hour": 9, "minute": 23}
